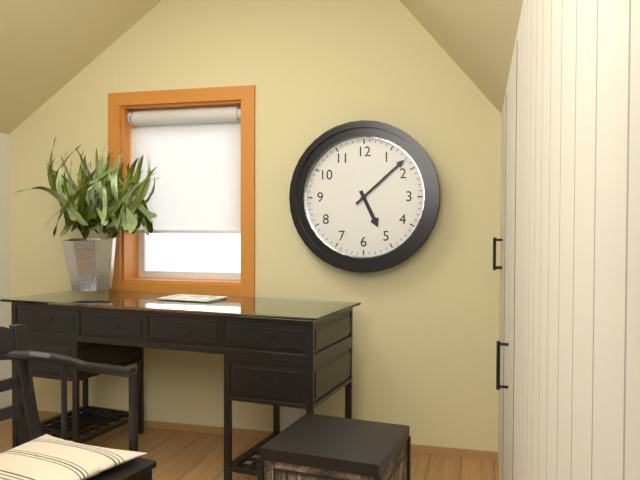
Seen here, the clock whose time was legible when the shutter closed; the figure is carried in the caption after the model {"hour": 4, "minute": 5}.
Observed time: {"hour": 5, "minute": 8}
